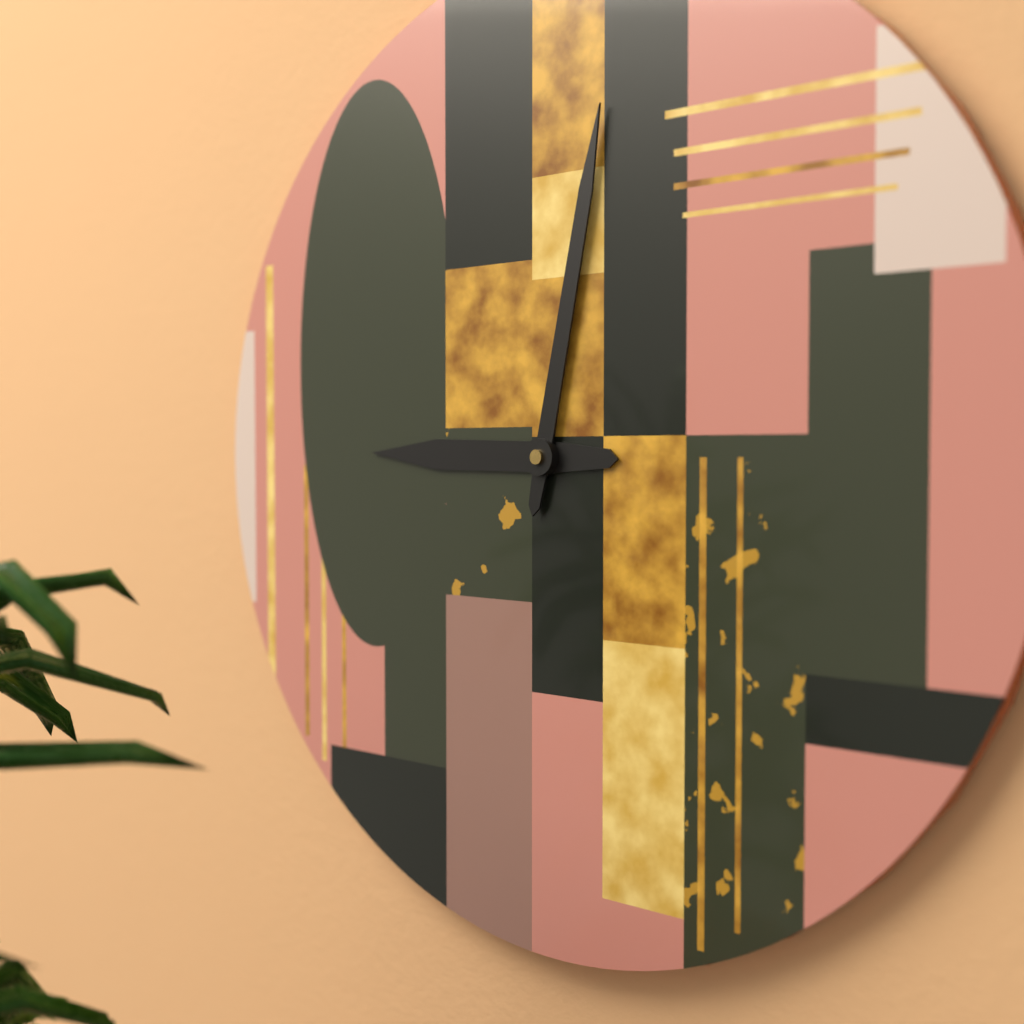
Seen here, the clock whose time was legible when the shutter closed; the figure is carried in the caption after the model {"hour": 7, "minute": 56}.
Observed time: {"hour": 9, "minute": 2}
